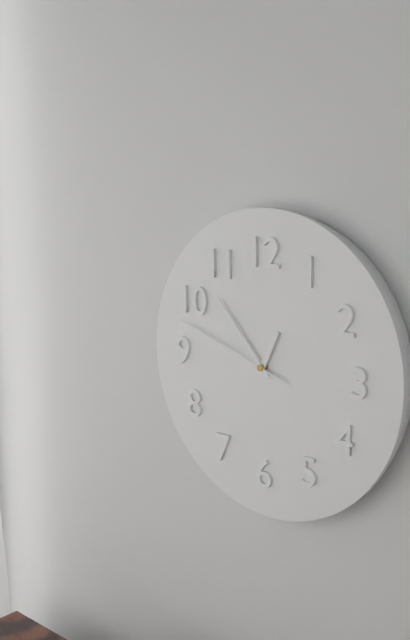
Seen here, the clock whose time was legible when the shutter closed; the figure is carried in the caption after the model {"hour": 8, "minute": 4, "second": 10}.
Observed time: {"hour": 12, "minute": 53, "second": 48}
